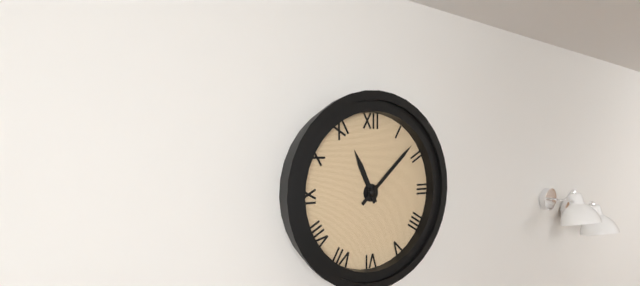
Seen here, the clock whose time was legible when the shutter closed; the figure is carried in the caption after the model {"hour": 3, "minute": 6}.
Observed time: {"hour": 11, "minute": 8}
